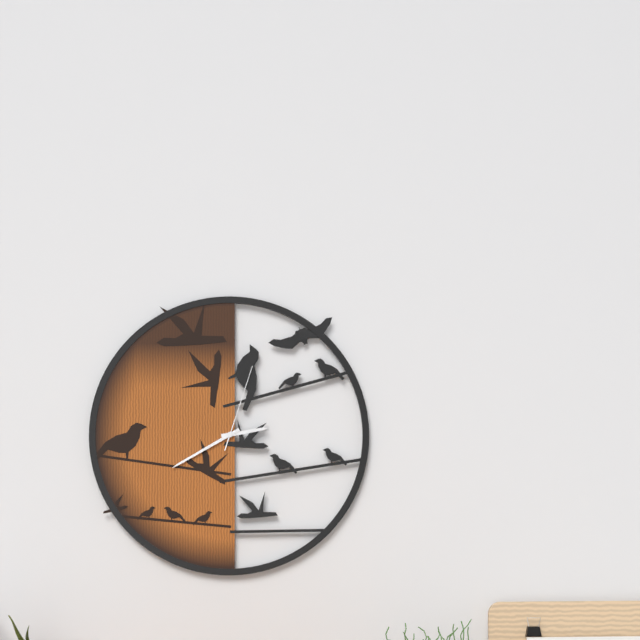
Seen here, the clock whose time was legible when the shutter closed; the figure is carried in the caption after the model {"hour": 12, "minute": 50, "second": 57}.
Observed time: {"hour": 2, "minute": 40, "second": 3}
